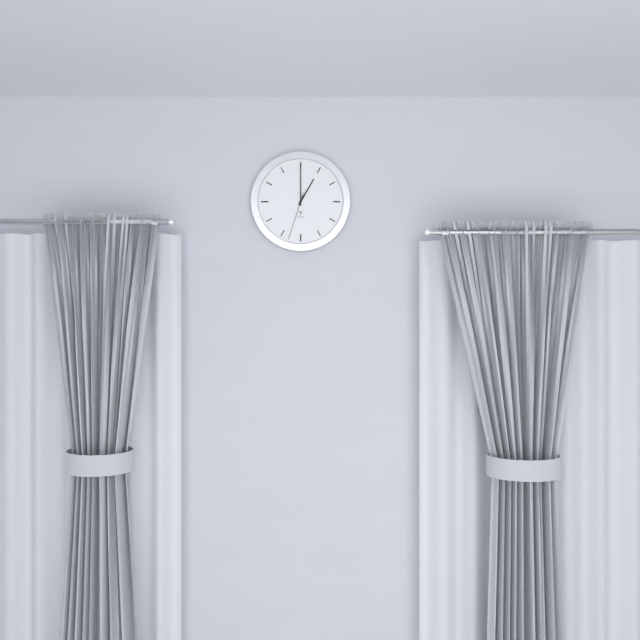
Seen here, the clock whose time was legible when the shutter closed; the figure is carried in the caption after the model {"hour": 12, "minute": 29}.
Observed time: {"hour": 1, "minute": 0}
